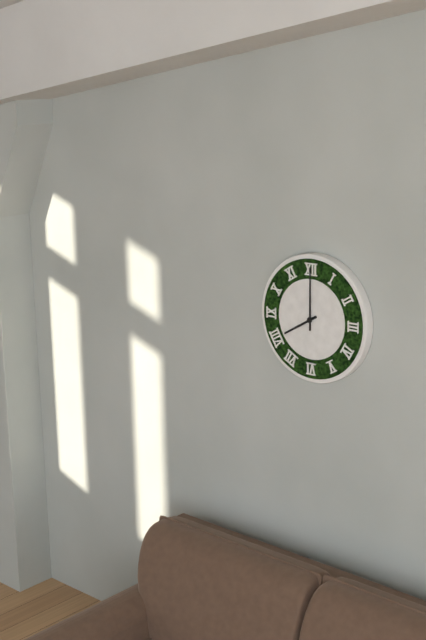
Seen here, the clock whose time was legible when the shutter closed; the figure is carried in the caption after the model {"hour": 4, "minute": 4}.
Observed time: {"hour": 8, "minute": 0}
